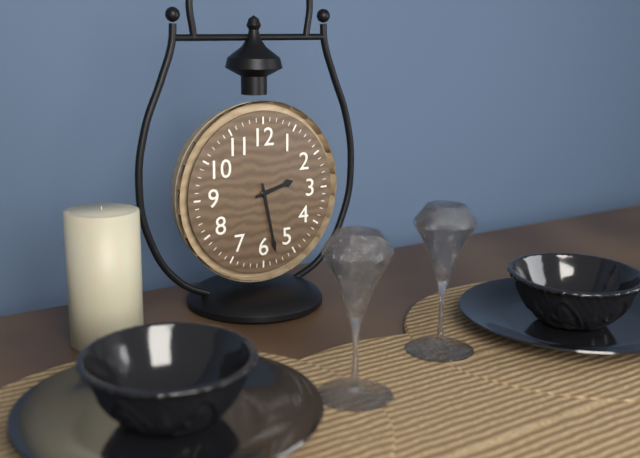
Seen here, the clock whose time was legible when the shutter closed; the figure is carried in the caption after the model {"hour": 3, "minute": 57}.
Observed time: {"hour": 2, "minute": 28}
